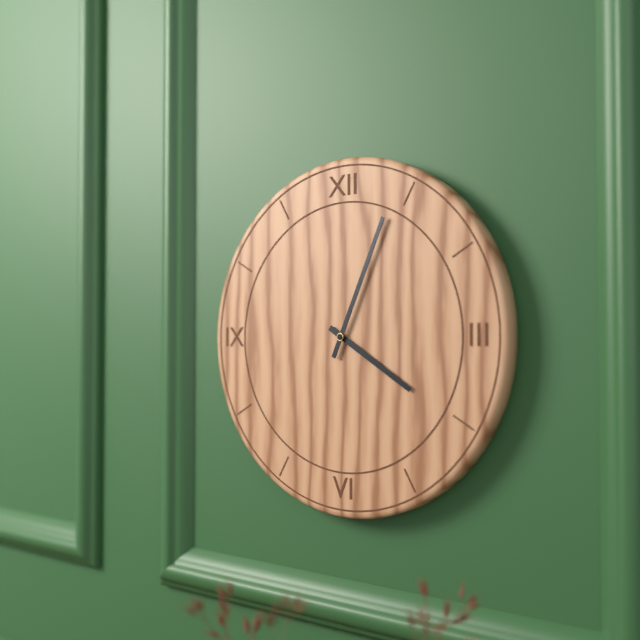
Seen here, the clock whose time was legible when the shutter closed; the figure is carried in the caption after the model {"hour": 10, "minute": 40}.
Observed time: {"hour": 4, "minute": 4}
